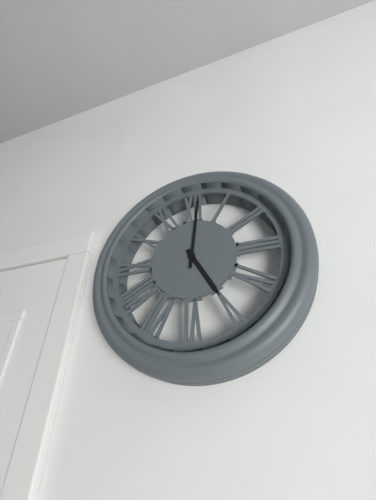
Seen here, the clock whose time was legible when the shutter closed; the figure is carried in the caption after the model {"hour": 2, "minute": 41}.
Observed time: {"hour": 5, "minute": 1}
